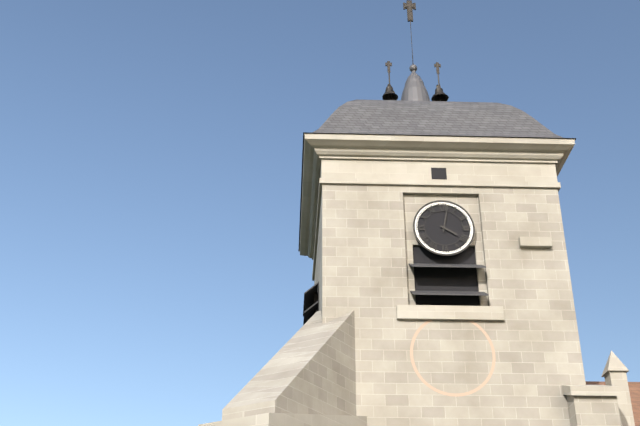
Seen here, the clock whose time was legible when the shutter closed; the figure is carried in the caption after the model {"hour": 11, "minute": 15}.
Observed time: {"hour": 4, "minute": 2}
